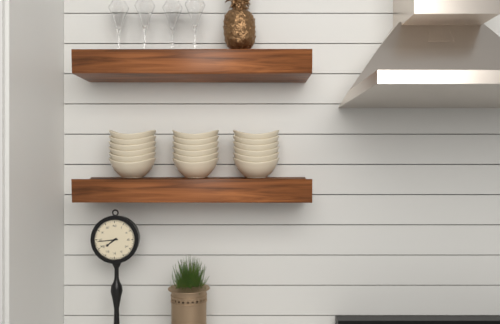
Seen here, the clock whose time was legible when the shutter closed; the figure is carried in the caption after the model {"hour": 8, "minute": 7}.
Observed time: {"hour": 7, "minute": 44}
